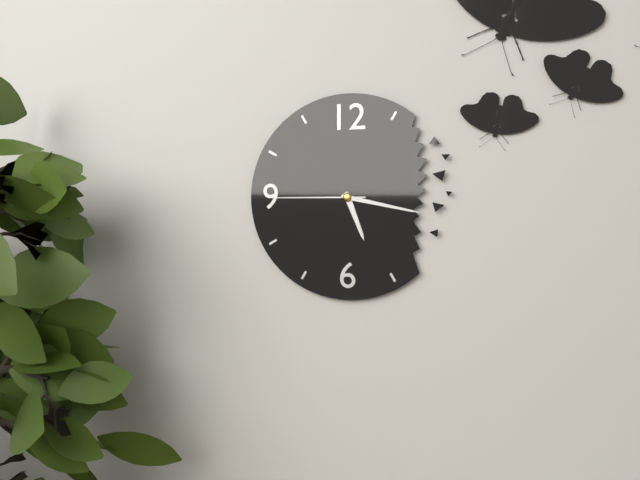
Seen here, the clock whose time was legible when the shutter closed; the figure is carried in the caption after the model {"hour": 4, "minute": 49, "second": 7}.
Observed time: {"hour": 5, "minute": 17, "second": 45}
